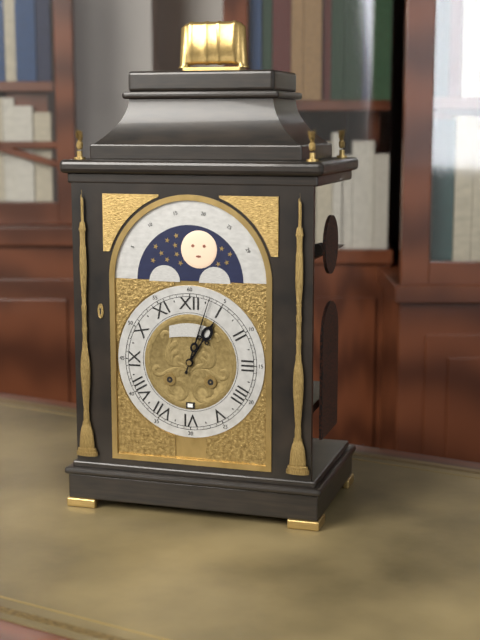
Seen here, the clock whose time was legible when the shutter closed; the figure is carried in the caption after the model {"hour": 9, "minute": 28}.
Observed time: {"hour": 1, "minute": 3}
